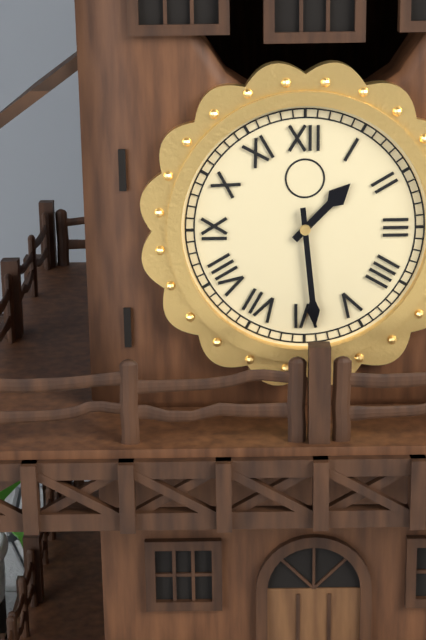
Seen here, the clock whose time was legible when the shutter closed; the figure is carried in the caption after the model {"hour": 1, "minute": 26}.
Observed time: {"hour": 1, "minute": 29}
